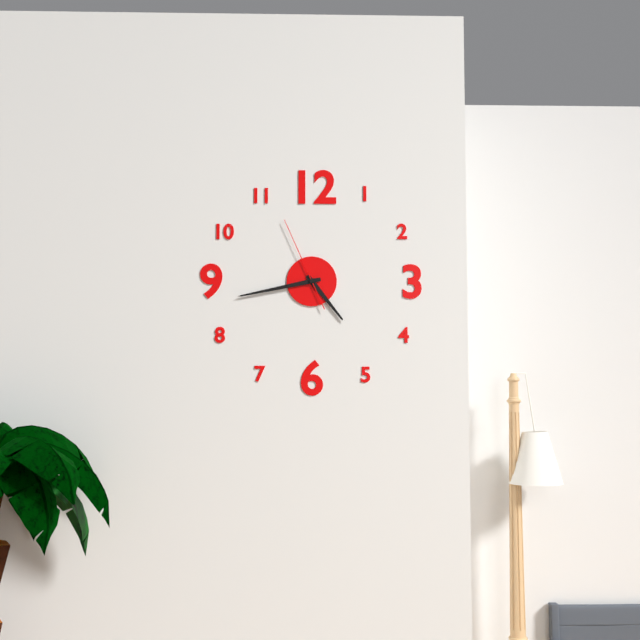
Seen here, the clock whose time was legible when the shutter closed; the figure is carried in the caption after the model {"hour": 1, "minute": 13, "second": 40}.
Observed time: {"hour": 4, "minute": 43, "second": 56}
